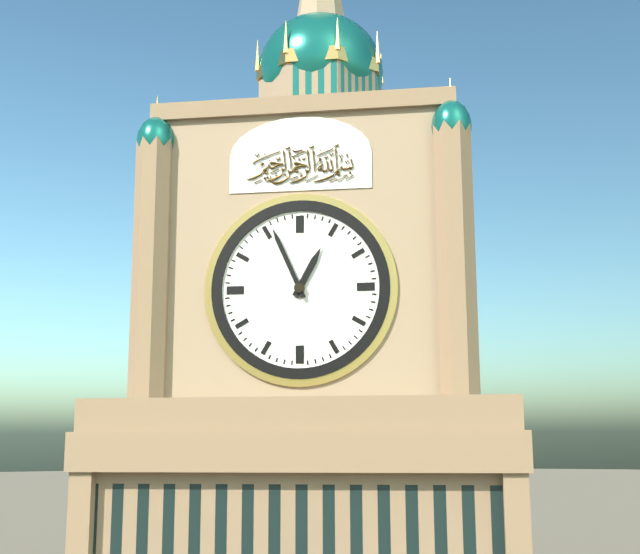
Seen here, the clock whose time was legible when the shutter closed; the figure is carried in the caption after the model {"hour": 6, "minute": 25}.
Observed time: {"hour": 12, "minute": 56}
